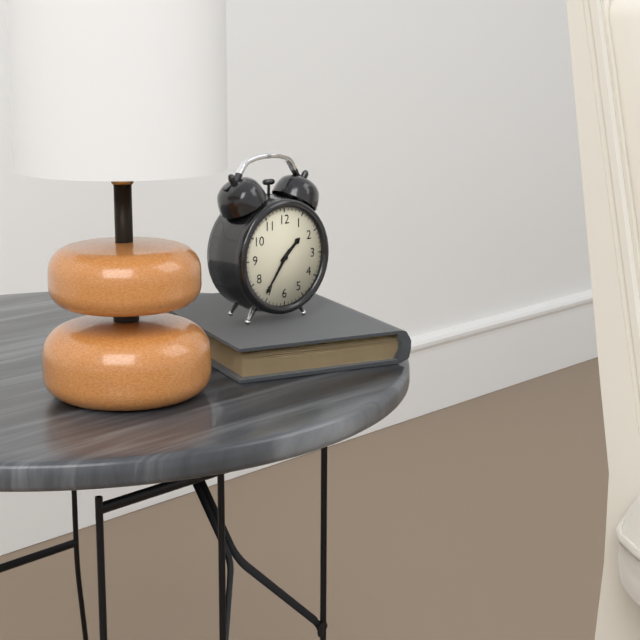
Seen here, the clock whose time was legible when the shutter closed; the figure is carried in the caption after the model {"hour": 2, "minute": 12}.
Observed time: {"hour": 1, "minute": 36}
